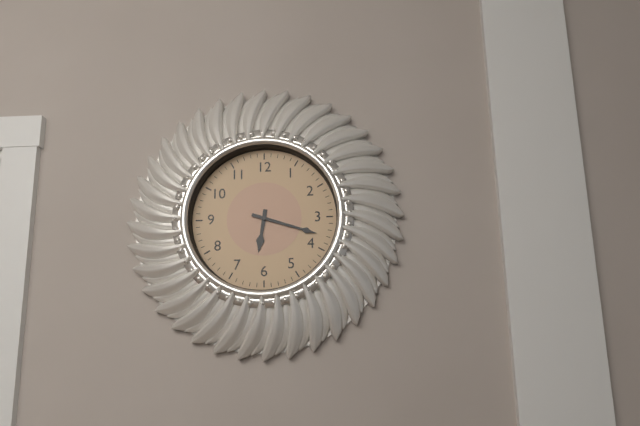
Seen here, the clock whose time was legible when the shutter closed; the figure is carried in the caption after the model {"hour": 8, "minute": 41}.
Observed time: {"hour": 6, "minute": 18}
